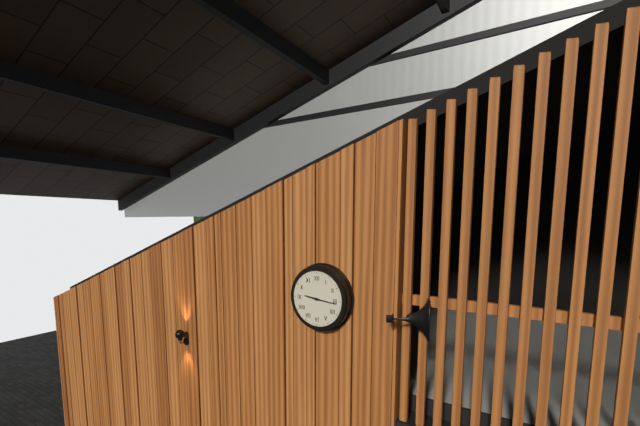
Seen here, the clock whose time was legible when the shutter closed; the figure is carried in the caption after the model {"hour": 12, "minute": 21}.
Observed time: {"hour": 9, "minute": 16}
